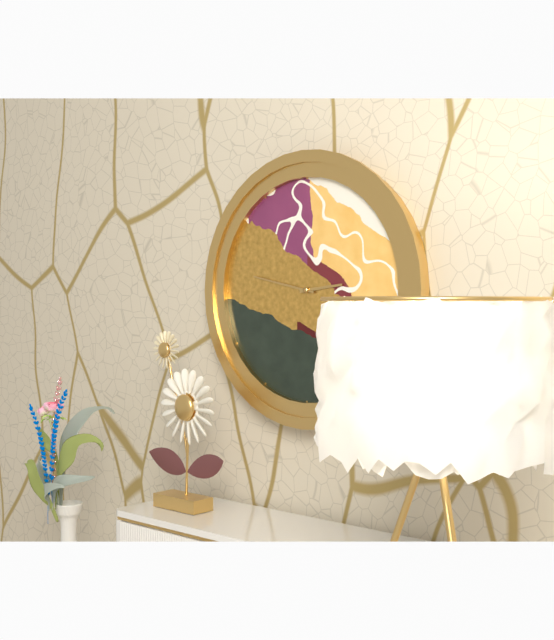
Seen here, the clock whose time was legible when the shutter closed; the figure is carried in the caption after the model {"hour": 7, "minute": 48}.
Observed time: {"hour": 2, "minute": 47}
